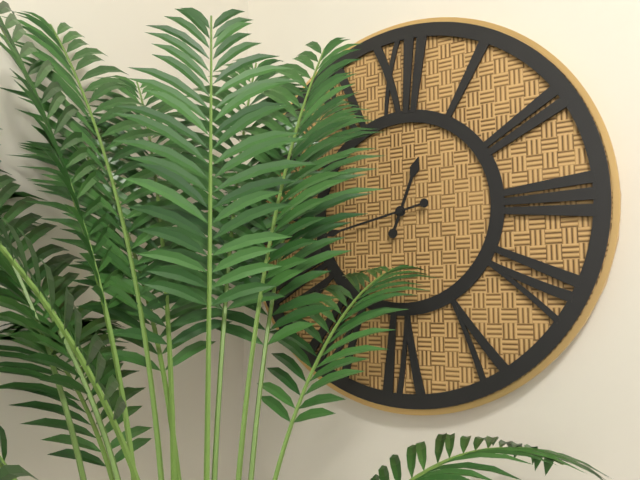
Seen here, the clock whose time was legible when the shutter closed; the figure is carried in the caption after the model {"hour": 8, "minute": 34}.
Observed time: {"hour": 12, "minute": 43}
